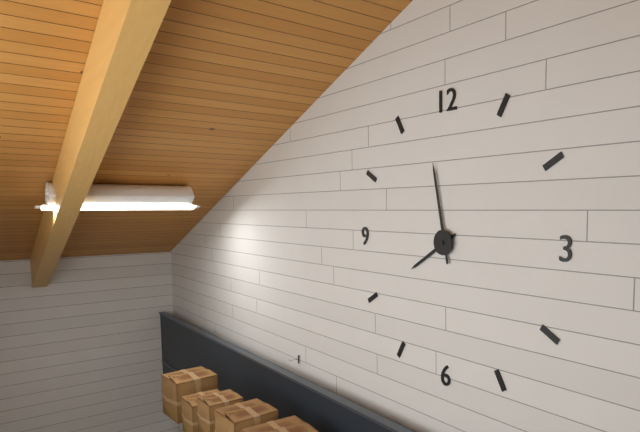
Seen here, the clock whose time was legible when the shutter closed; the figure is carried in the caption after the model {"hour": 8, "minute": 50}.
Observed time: {"hour": 7, "minute": 58}
